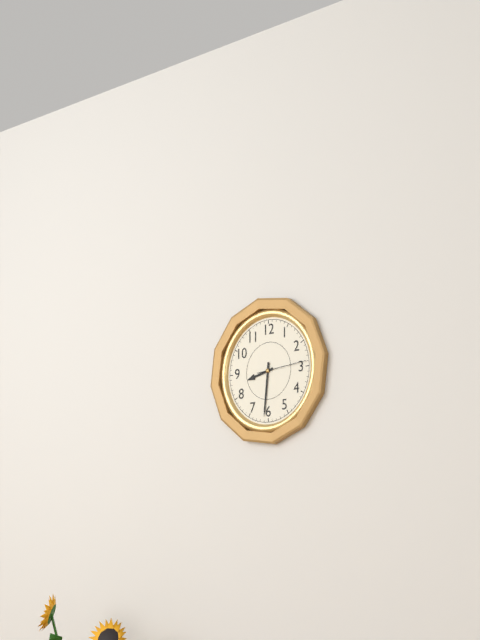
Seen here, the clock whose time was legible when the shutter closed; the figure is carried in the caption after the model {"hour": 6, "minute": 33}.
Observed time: {"hour": 8, "minute": 31}
